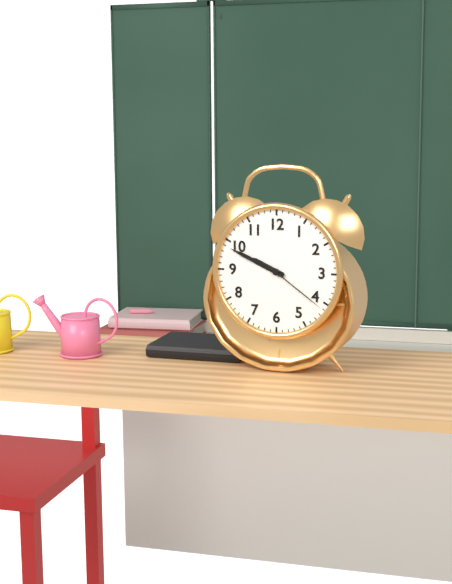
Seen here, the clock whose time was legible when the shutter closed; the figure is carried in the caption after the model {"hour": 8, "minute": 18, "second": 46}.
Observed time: {"hour": 9, "minute": 49, "second": 21}
